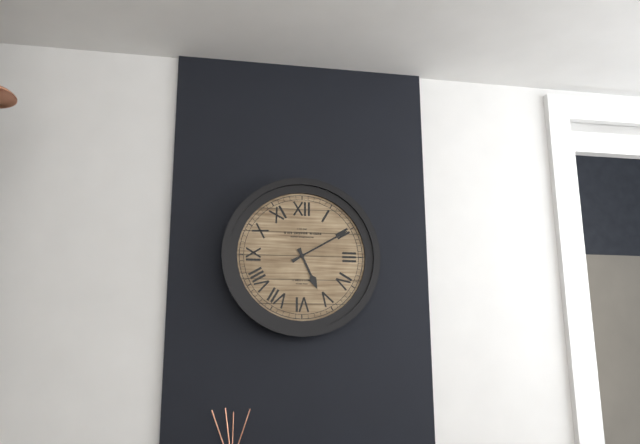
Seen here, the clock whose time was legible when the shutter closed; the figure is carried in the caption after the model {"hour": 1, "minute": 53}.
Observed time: {"hour": 5, "minute": 10}
